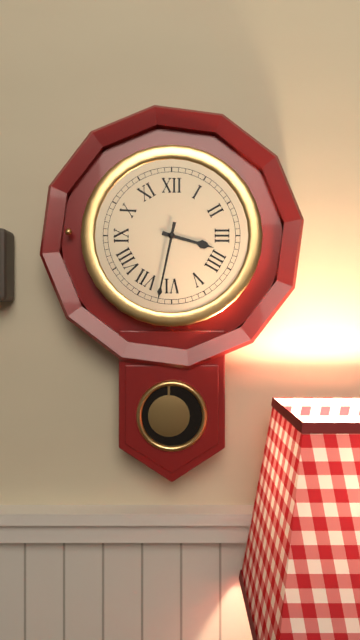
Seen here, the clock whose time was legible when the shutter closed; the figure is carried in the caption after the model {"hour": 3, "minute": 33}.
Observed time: {"hour": 3, "minute": 32}
